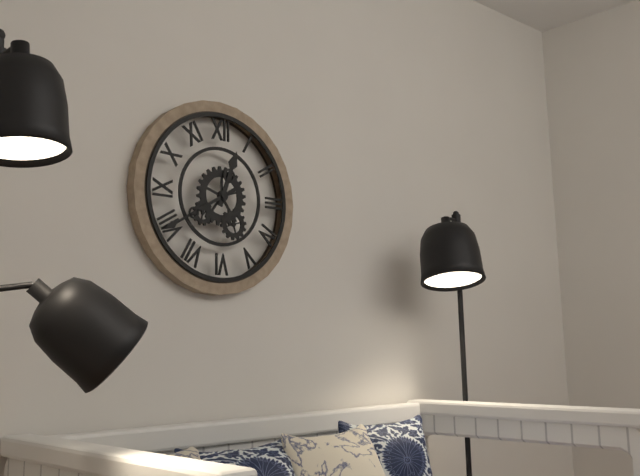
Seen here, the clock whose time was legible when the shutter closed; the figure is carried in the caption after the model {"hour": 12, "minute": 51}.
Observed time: {"hour": 12, "minute": 40}
